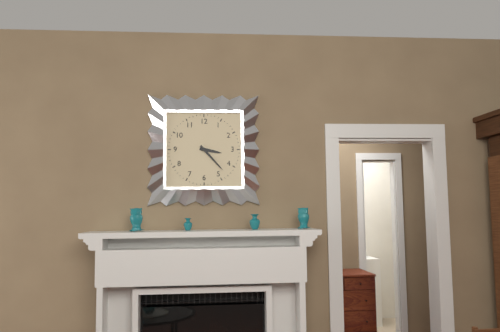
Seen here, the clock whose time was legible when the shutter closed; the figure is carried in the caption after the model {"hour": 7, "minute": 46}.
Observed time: {"hour": 3, "minute": 23}
